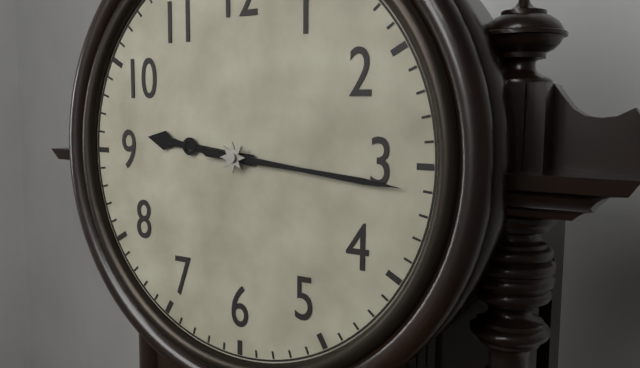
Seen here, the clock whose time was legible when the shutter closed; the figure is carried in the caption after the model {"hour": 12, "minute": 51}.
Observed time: {"hour": 9, "minute": 16}
